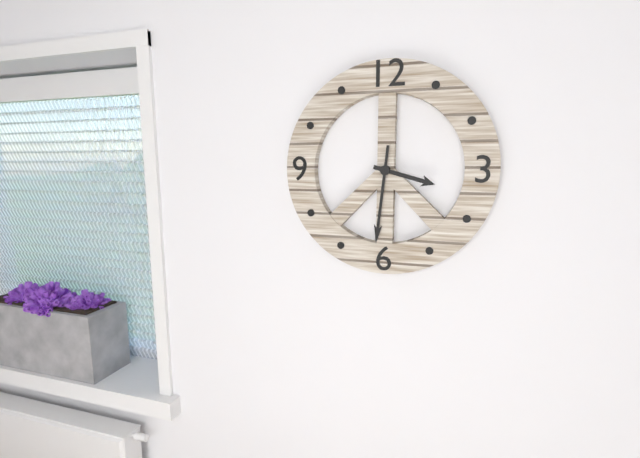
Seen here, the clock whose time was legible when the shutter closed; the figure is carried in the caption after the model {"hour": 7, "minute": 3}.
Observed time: {"hour": 3, "minute": 31}
